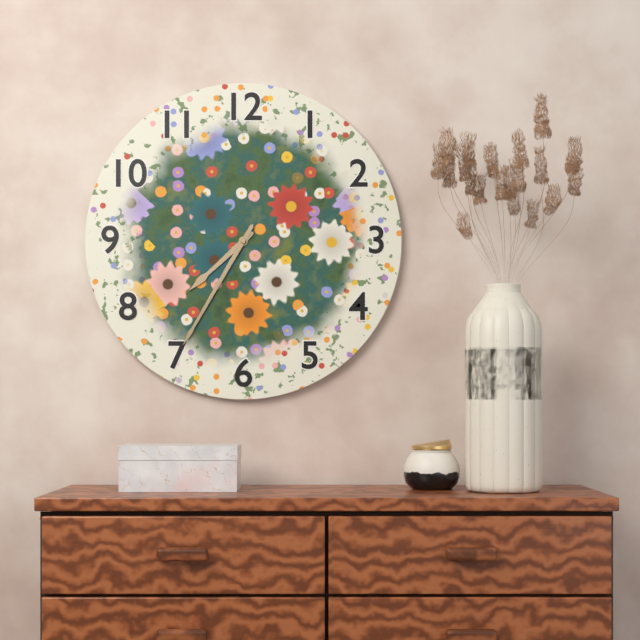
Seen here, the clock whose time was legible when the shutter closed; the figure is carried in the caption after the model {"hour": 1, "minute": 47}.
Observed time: {"hour": 7, "minute": 35}
